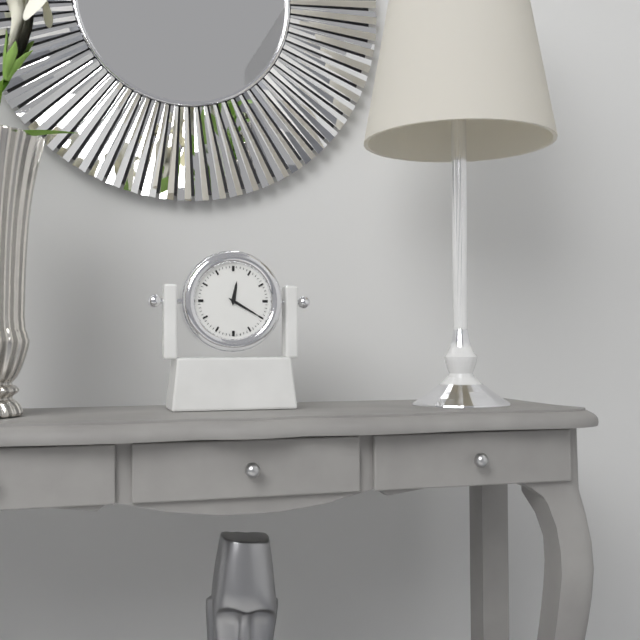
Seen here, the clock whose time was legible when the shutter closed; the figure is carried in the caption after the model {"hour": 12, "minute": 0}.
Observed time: {"hour": 12, "minute": 20}
